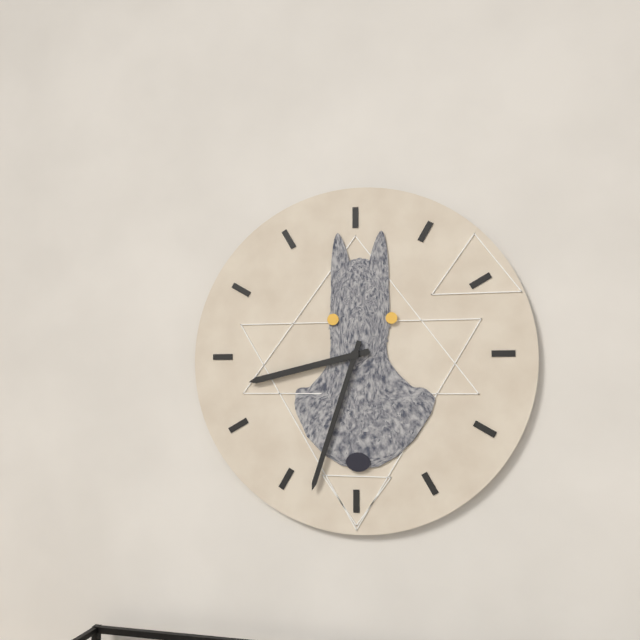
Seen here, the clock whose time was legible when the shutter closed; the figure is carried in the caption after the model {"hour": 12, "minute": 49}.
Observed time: {"hour": 8, "minute": 33}
